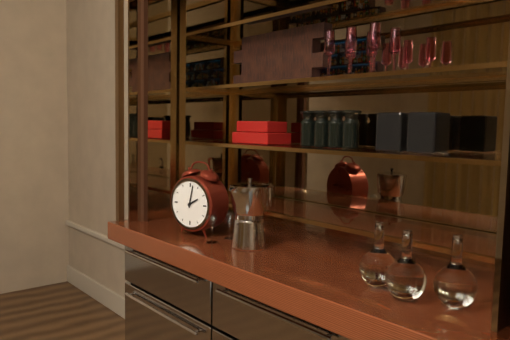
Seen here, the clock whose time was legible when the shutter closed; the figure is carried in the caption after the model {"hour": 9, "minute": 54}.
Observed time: {"hour": 2, "minute": 2}
